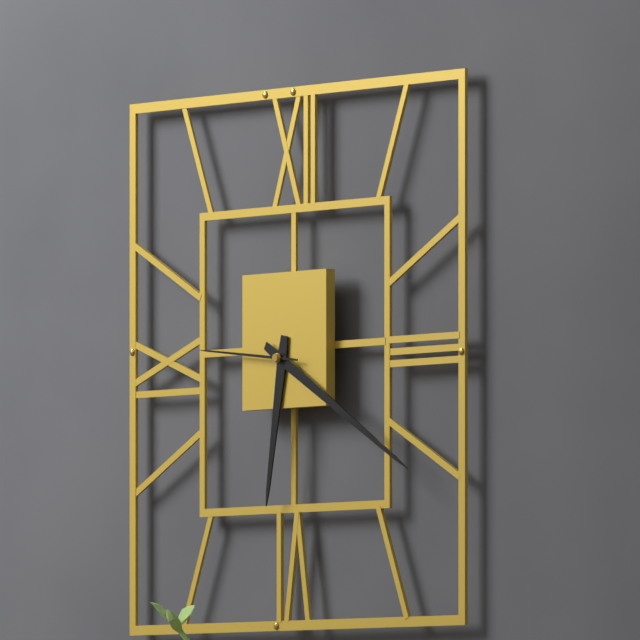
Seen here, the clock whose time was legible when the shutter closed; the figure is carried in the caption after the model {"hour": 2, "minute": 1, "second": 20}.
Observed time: {"hour": 6, "minute": 20, "second": 46}
